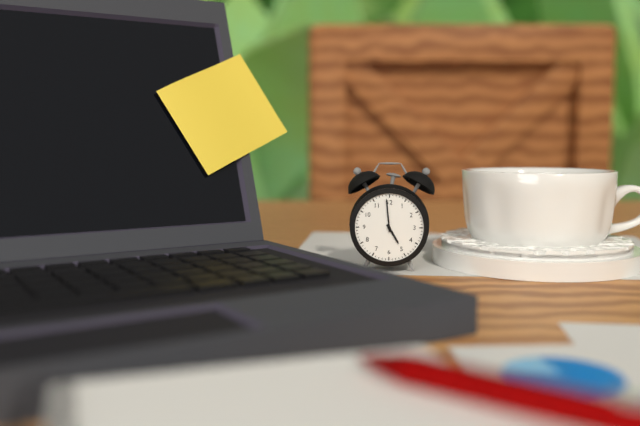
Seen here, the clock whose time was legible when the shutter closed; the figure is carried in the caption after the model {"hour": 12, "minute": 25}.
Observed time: {"hour": 4, "minute": 59}
